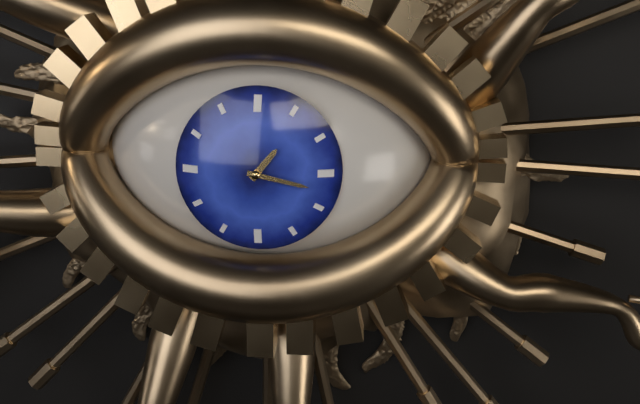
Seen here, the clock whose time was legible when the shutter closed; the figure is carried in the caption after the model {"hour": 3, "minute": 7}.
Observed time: {"hour": 1, "minute": 17}
